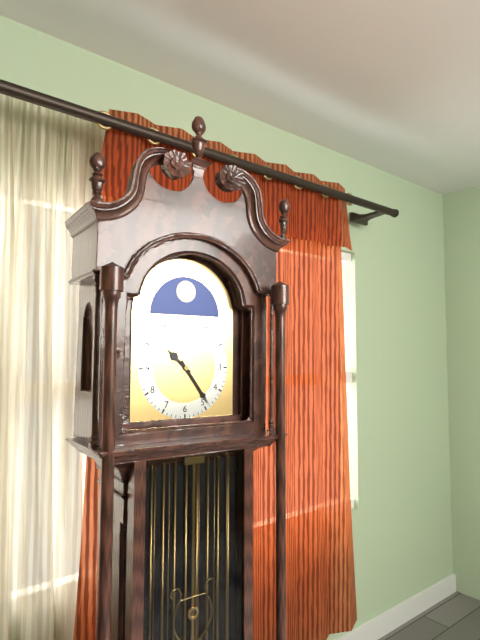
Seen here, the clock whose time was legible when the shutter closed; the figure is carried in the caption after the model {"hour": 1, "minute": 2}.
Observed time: {"hour": 10, "minute": 24}
